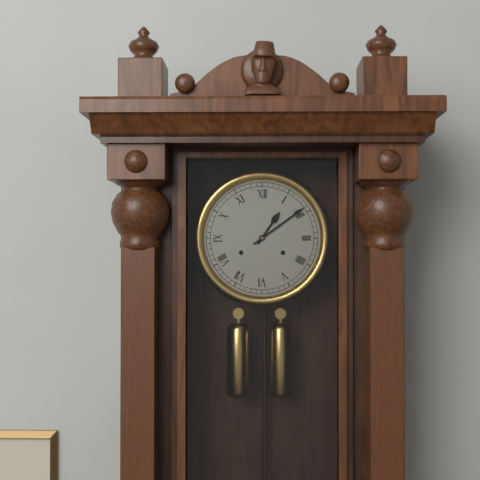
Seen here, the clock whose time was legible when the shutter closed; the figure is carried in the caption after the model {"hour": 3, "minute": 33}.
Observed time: {"hour": 1, "minute": 9}
